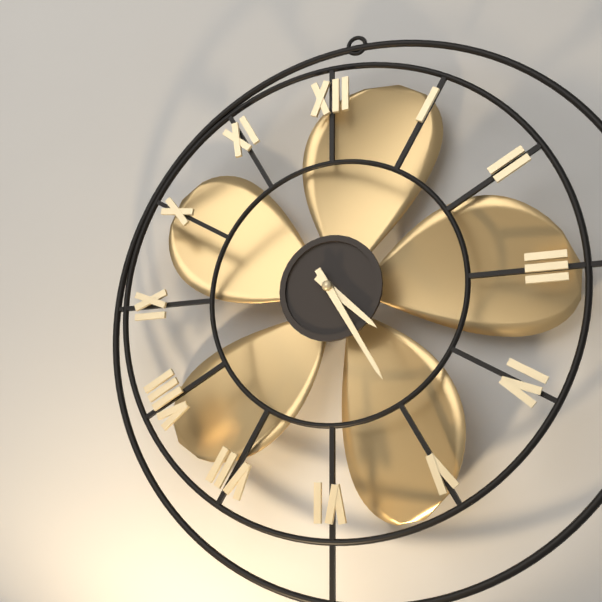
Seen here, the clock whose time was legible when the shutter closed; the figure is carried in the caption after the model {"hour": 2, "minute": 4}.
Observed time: {"hour": 4, "minute": 25}
